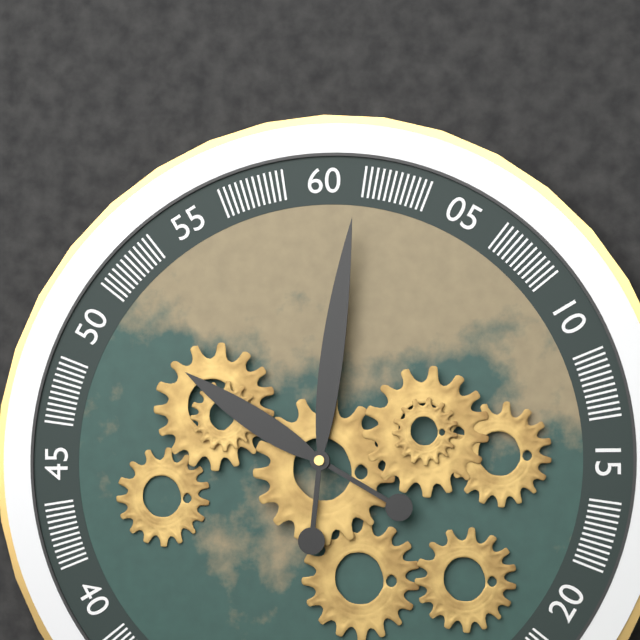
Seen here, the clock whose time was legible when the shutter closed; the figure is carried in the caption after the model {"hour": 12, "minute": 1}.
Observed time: {"hour": 10, "minute": 1}
